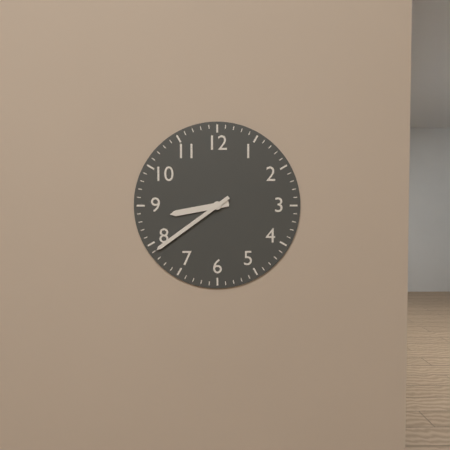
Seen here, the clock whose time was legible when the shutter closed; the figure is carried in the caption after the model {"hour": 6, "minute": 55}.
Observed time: {"hour": 8, "minute": 39}
